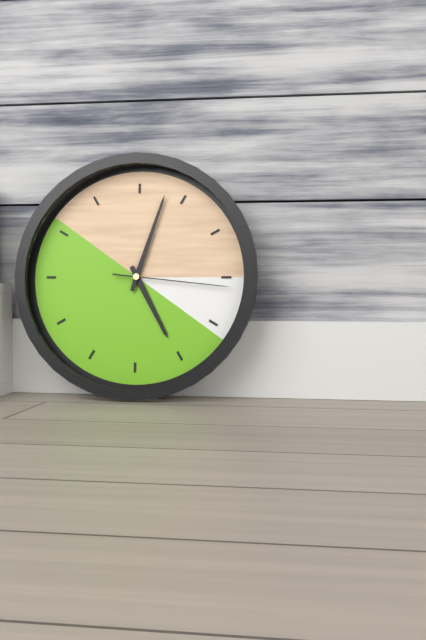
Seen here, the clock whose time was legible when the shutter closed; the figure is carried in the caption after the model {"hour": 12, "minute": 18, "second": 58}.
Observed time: {"hour": 5, "minute": 3, "second": 16}
